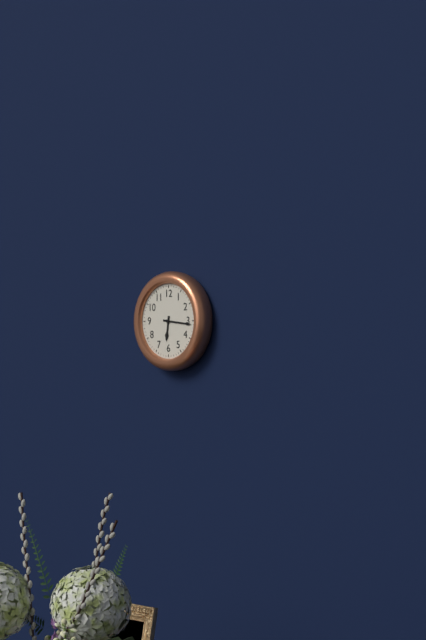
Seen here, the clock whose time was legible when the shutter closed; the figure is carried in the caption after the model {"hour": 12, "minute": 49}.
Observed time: {"hour": 6, "minute": 16}
